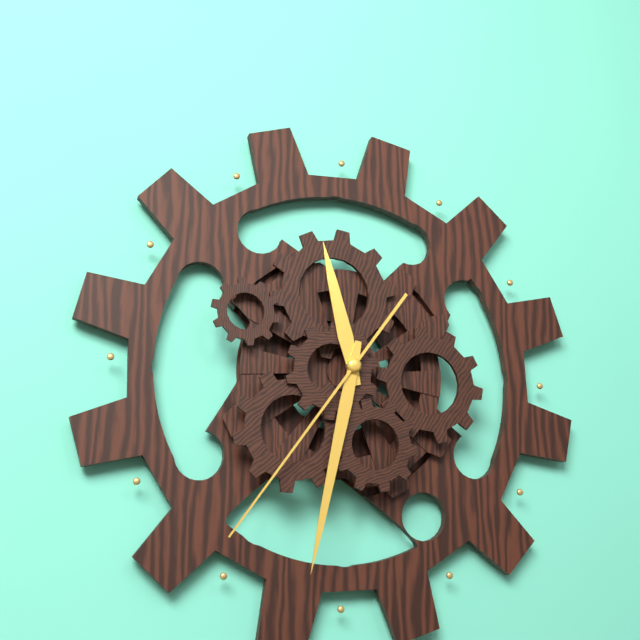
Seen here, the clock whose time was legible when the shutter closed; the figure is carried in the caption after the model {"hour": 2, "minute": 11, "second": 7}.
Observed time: {"hour": 11, "minute": 32, "second": 36}
